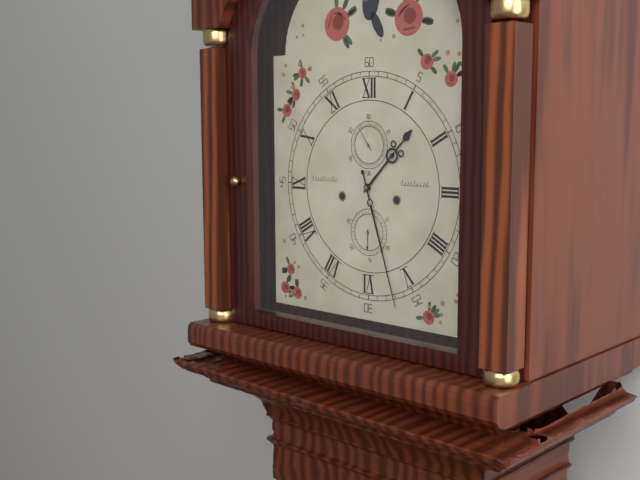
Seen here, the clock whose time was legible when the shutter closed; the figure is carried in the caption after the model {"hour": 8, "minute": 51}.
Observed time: {"hour": 1, "minute": 27}
